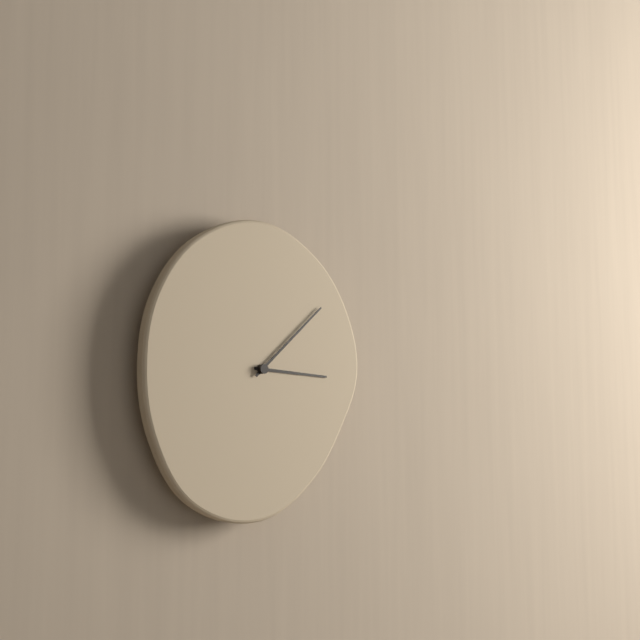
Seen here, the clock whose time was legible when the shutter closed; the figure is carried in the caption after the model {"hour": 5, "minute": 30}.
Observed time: {"hour": 3, "minute": 8}
